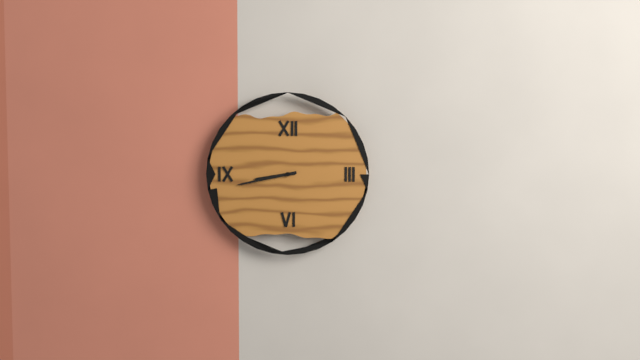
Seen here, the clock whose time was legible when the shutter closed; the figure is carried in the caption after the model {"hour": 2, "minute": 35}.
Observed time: {"hour": 8, "minute": 43}
